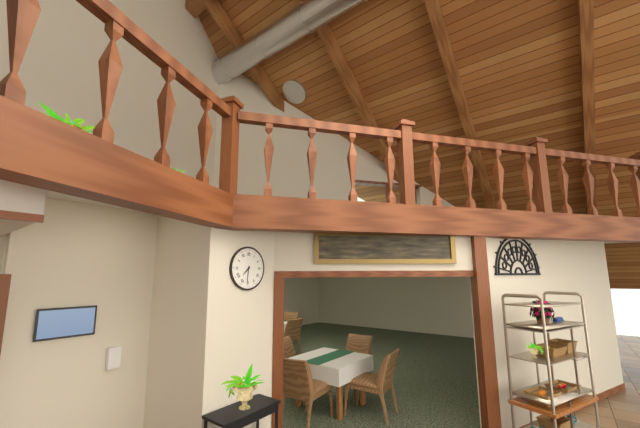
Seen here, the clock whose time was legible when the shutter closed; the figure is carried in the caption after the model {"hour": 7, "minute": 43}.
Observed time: {"hour": 7, "minute": 31}
